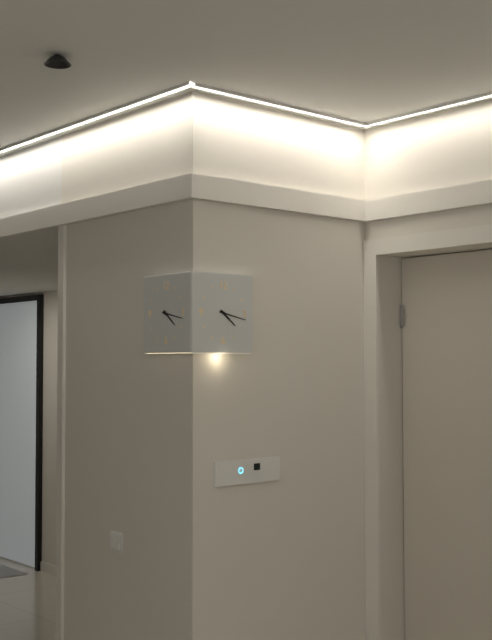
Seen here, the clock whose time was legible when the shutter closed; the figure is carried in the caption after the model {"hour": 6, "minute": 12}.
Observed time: {"hour": 4, "minute": 17}
